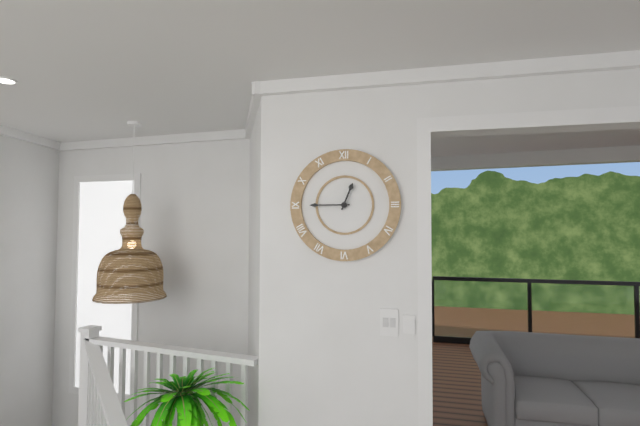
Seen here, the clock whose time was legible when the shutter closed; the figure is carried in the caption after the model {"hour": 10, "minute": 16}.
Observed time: {"hour": 12, "minute": 45}
